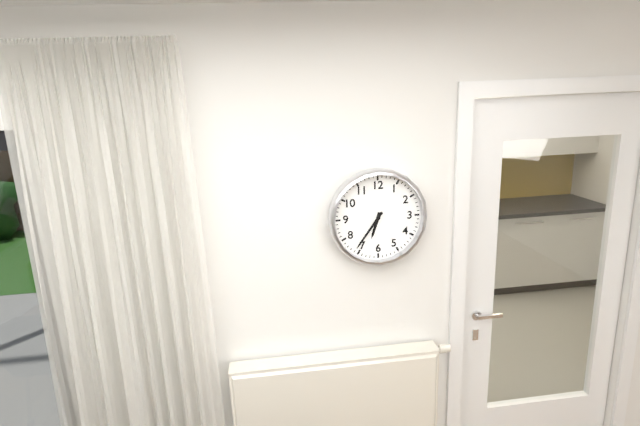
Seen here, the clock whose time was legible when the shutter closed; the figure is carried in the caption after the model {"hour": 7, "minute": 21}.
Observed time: {"hour": 6, "minute": 36}
